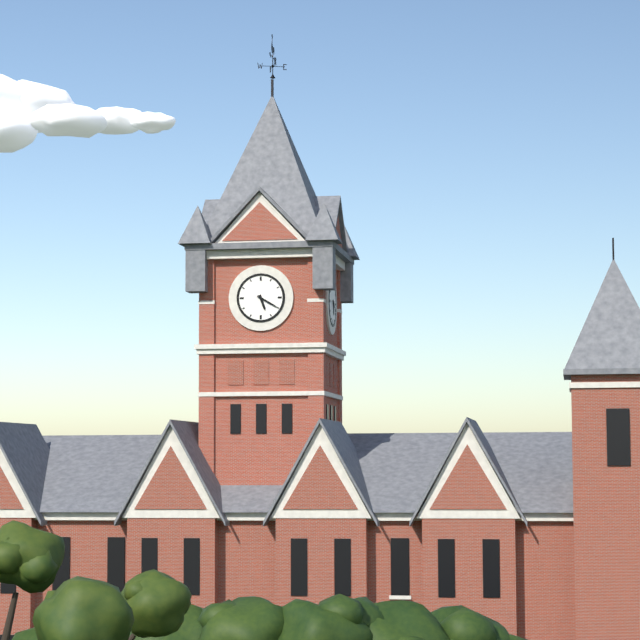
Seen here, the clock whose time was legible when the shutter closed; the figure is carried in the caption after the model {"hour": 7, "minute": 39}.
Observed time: {"hour": 5, "minute": 20}
